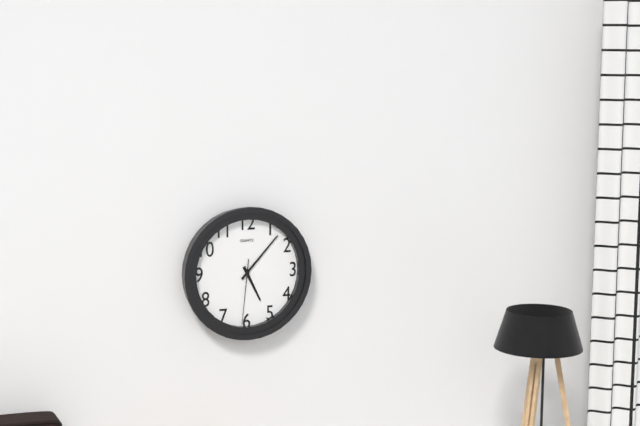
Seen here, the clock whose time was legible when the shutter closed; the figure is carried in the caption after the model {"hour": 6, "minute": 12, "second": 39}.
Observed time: {"hour": 5, "minute": 7, "second": 31}
